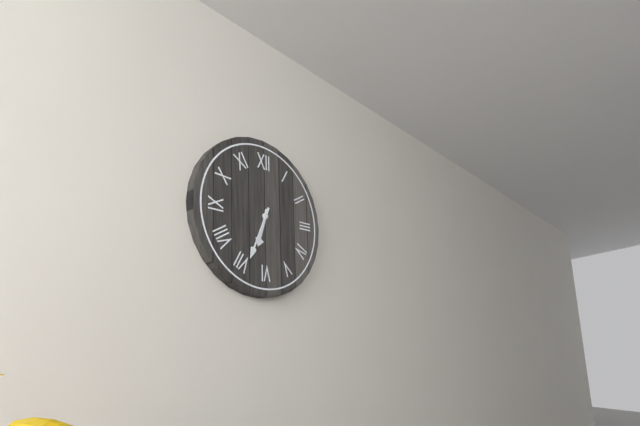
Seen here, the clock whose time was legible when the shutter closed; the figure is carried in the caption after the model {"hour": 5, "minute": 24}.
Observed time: {"hour": 6, "minute": 34}
